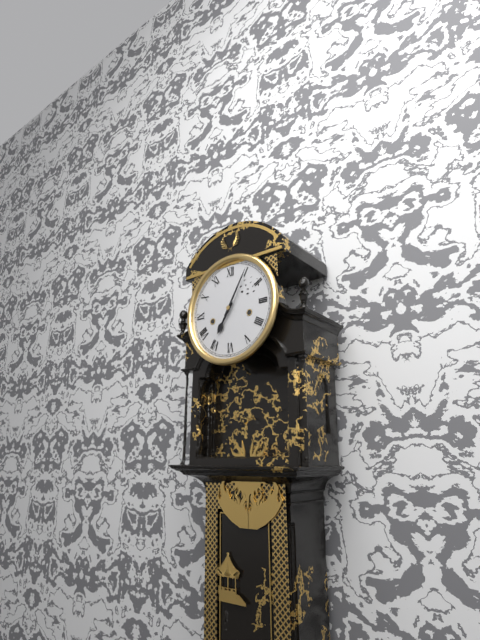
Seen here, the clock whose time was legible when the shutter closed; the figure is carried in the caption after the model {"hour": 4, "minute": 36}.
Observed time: {"hour": 7, "minute": 5}
